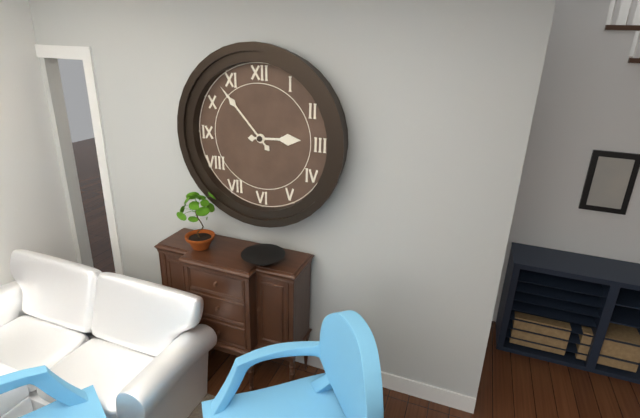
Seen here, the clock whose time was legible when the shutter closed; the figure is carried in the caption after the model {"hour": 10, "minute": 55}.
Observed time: {"hour": 2, "minute": 53}
